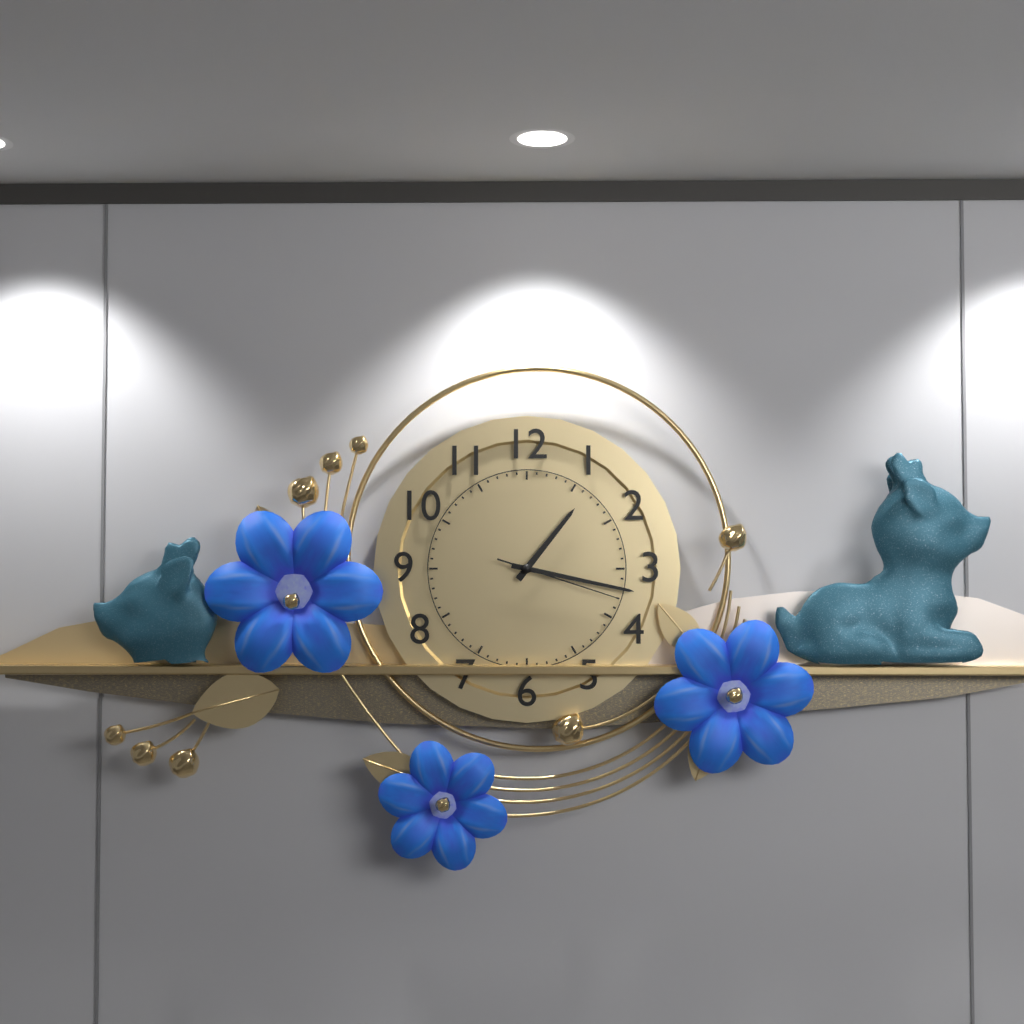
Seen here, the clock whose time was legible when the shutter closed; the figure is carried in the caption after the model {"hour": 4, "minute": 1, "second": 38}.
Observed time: {"hour": 1, "minute": 17, "second": 18}
